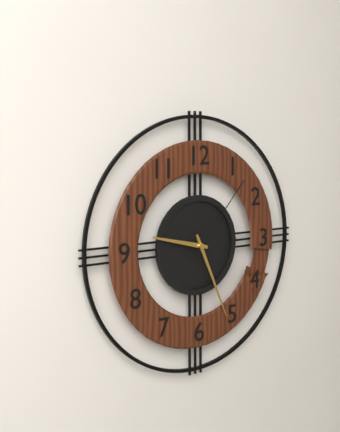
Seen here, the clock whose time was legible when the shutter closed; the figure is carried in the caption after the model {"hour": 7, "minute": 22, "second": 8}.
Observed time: {"hour": 9, "minute": 26, "second": 7}
